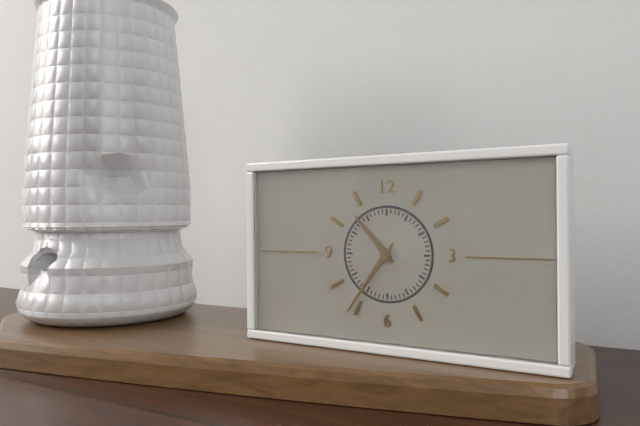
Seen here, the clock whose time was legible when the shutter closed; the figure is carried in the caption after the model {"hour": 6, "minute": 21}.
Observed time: {"hour": 10, "minute": 36}
